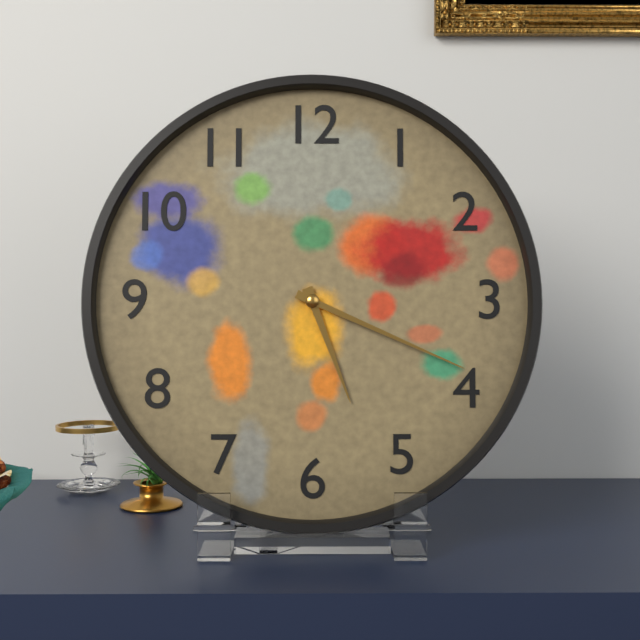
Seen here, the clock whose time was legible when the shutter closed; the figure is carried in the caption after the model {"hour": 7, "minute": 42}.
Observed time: {"hour": 5, "minute": 19}
